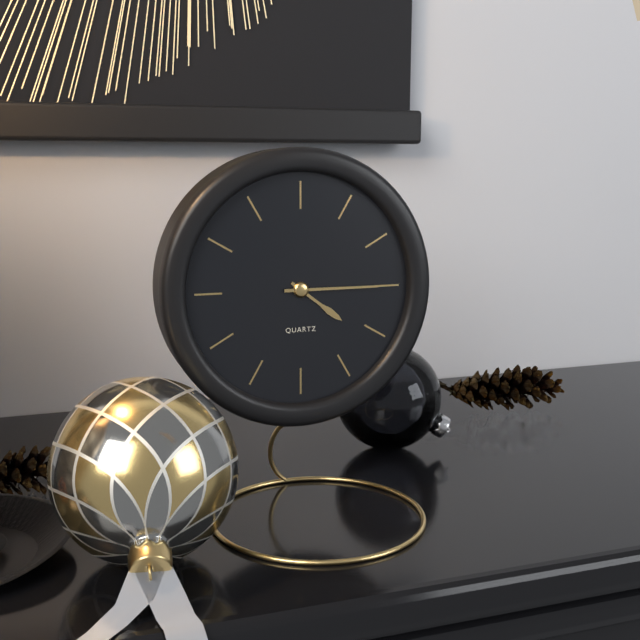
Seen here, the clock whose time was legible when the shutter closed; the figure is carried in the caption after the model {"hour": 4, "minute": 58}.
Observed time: {"hour": 4, "minute": 15}
